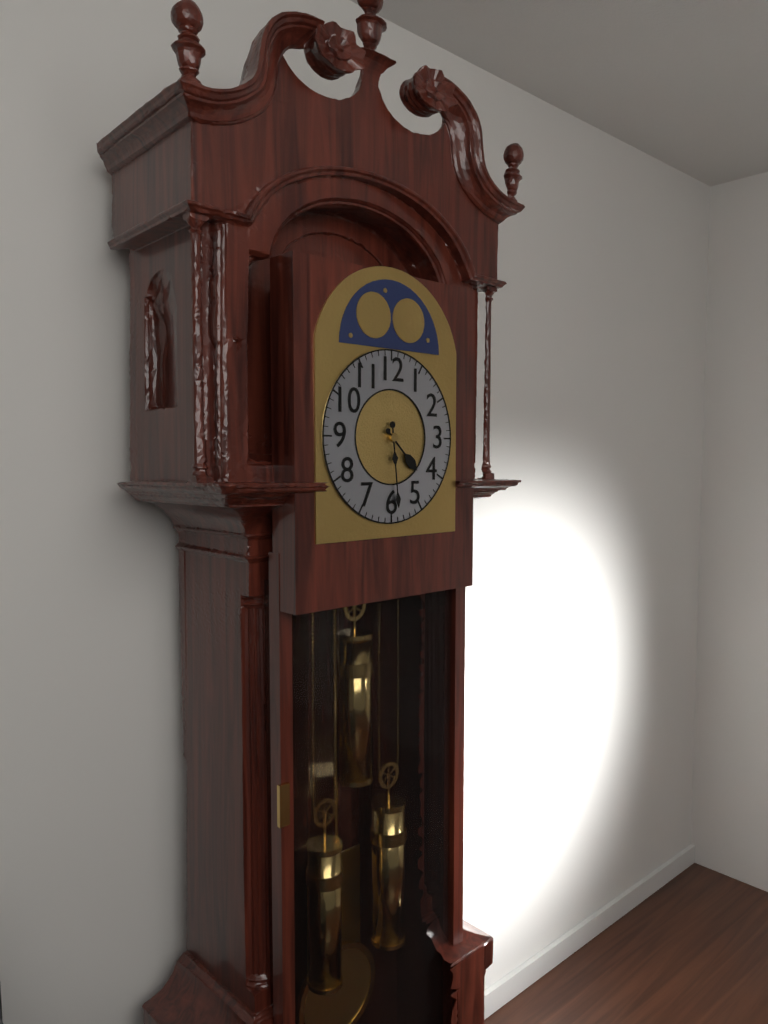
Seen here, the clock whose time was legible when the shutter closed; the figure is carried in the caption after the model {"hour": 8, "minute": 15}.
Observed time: {"hour": 4, "minute": 29}
